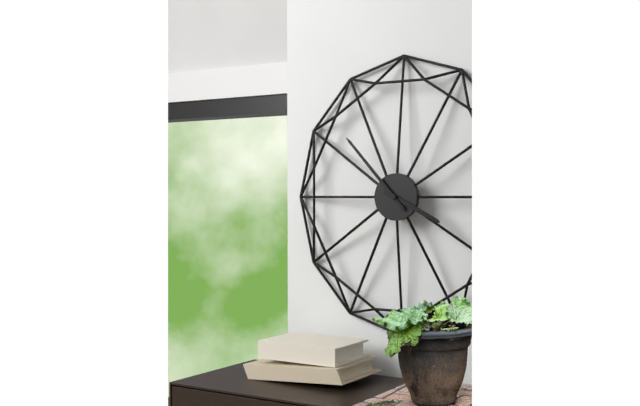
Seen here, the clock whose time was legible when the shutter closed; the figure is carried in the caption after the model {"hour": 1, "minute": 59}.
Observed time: {"hour": 3, "minute": 53}
